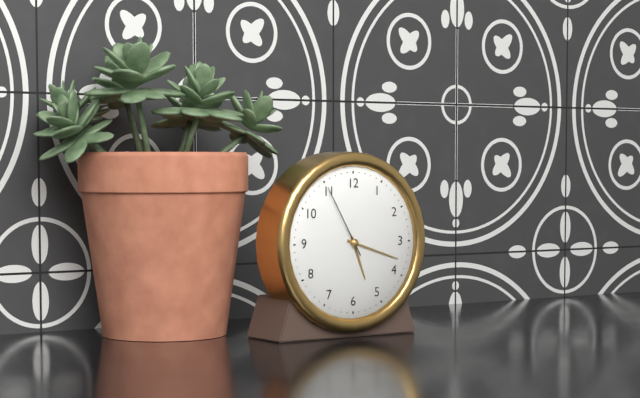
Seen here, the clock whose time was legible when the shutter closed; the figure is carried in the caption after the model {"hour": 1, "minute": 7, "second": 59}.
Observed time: {"hour": 5, "minute": 18, "second": 55}
